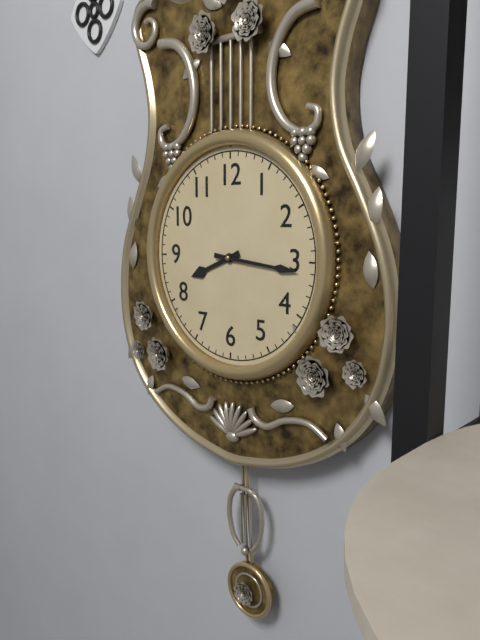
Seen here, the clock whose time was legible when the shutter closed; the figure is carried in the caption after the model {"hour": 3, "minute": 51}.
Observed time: {"hour": 8, "minute": 16}
